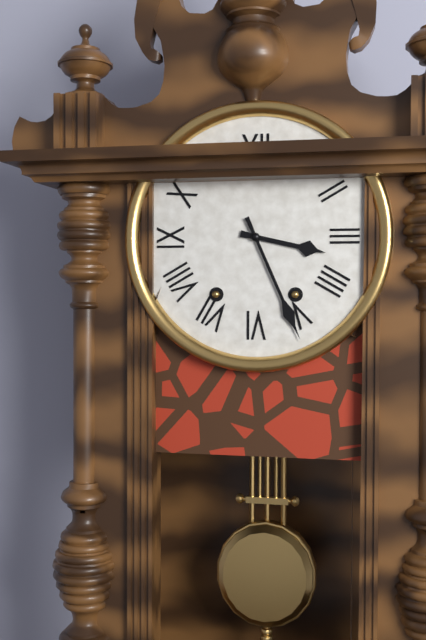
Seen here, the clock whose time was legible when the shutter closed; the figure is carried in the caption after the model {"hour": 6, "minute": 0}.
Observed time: {"hour": 3, "minute": 26}
